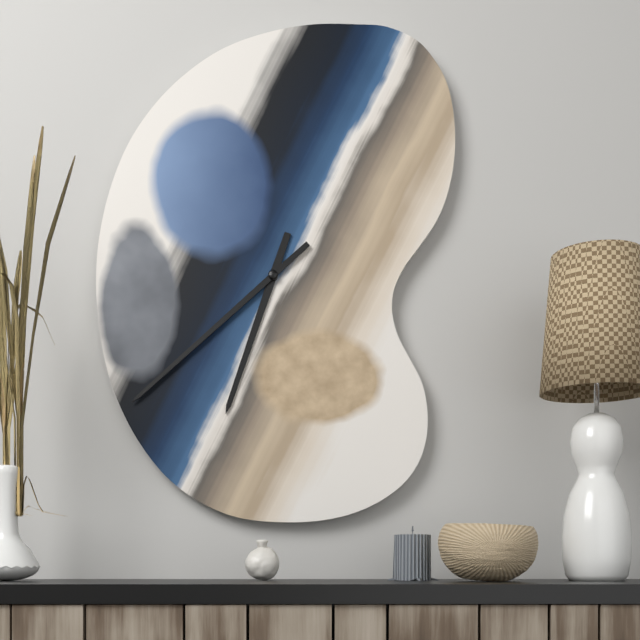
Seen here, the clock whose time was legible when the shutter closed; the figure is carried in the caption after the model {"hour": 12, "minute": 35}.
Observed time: {"hour": 6, "minute": 38}
